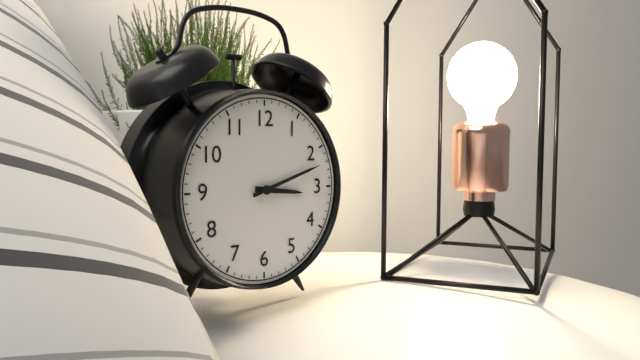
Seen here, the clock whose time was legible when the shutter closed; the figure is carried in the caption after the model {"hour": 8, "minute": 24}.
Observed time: {"hour": 3, "minute": 12}
